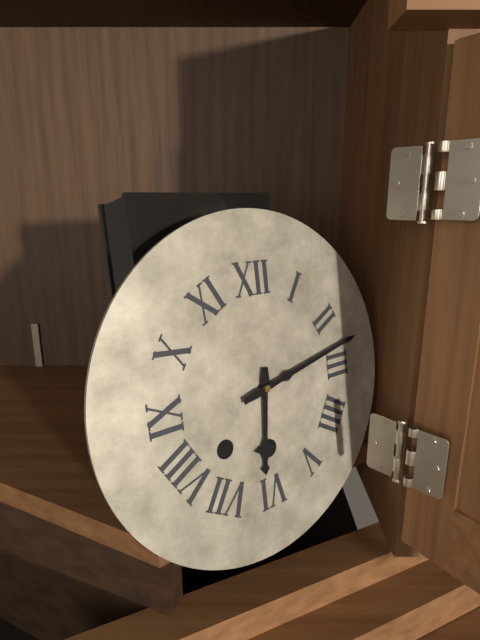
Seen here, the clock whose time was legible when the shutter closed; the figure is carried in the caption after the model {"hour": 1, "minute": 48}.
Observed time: {"hour": 6, "minute": 13}
